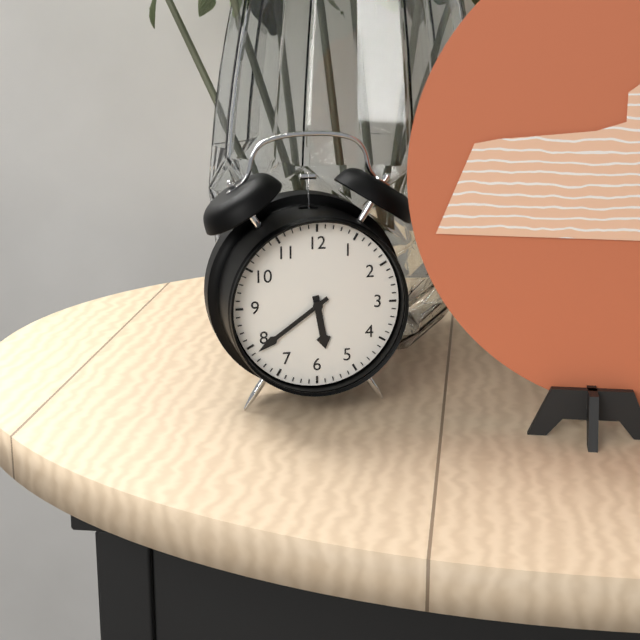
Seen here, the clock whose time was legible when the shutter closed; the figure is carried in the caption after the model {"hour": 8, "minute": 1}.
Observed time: {"hour": 5, "minute": 39}
